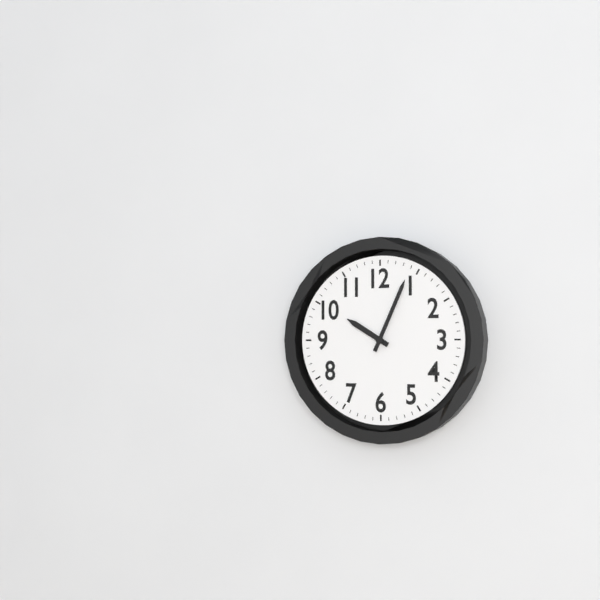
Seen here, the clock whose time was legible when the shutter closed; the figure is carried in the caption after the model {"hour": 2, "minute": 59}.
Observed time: {"hour": 10, "minute": 4}
